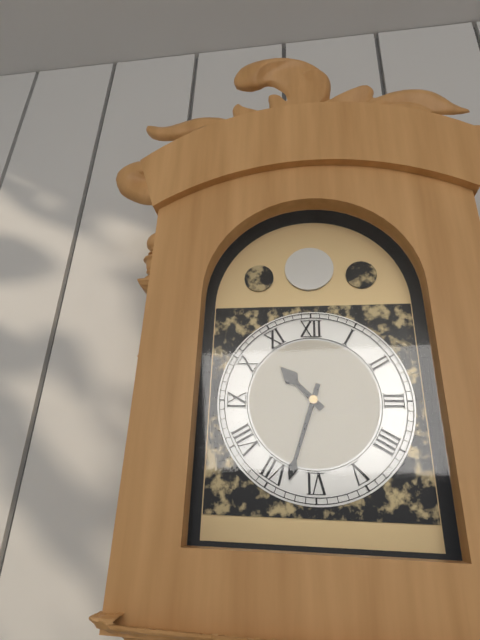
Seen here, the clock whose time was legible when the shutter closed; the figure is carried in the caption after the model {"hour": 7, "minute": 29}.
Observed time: {"hour": 10, "minute": 33}
